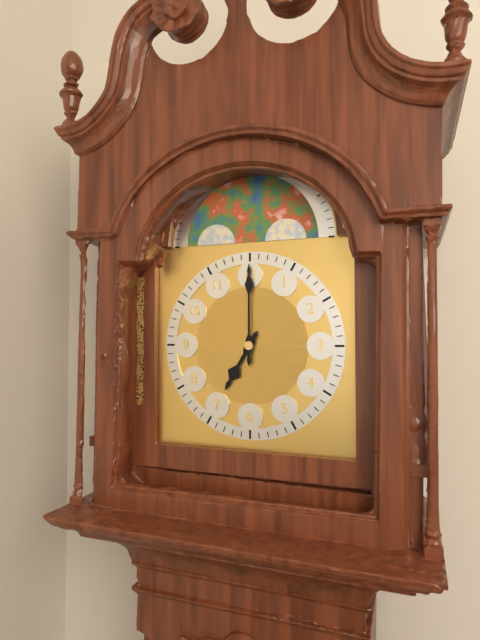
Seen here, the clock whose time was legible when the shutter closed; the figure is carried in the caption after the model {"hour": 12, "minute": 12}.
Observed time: {"hour": 7, "minute": 0}
